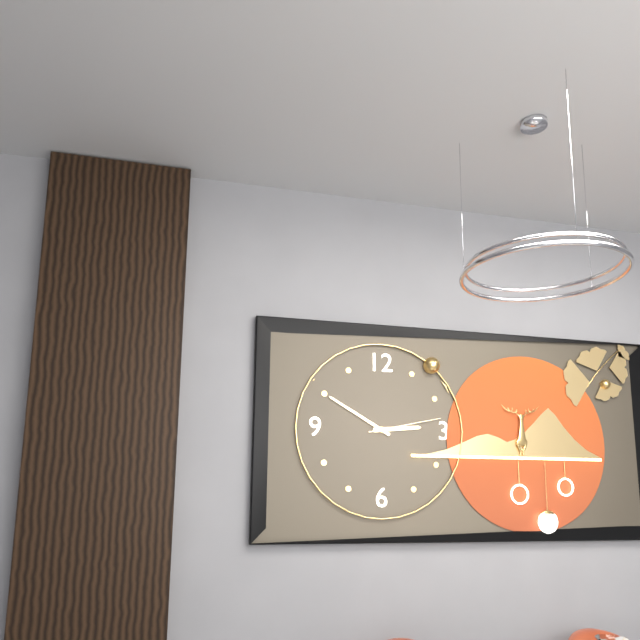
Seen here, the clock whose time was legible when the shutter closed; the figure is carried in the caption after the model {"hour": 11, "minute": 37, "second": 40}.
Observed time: {"hour": 2, "minute": 50, "second": 13}
